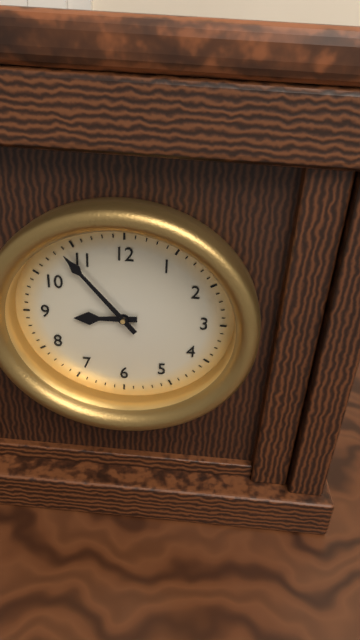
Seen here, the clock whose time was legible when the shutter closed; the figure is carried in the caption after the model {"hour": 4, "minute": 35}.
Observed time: {"hour": 8, "minute": 53}
